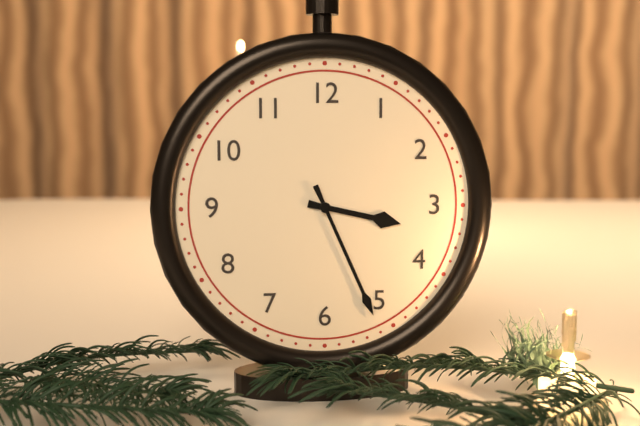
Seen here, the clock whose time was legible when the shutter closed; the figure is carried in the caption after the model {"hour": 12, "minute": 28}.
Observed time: {"hour": 3, "minute": 26}
